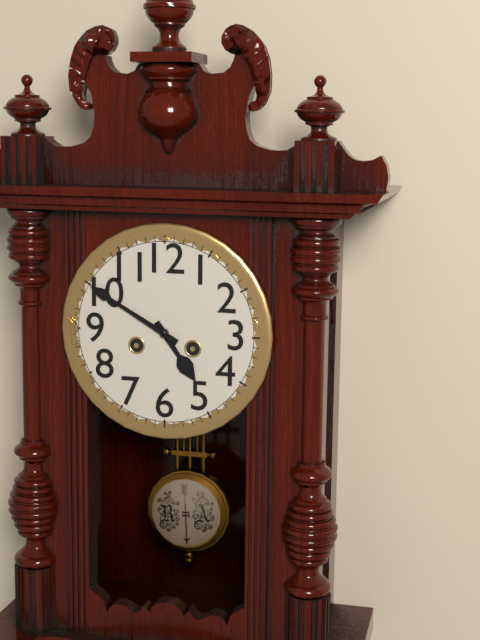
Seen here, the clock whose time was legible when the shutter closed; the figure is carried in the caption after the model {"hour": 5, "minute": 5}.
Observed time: {"hour": 4, "minute": 50}
